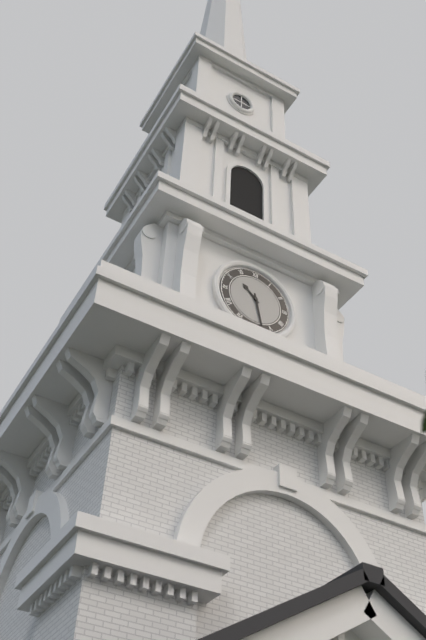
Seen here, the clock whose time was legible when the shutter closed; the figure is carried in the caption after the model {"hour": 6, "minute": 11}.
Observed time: {"hour": 10, "minute": 28}
